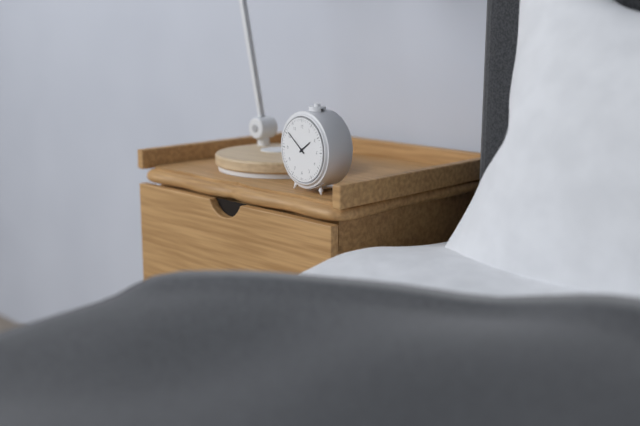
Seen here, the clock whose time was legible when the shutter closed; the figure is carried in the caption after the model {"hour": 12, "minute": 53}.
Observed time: {"hour": 1, "minute": 51}
